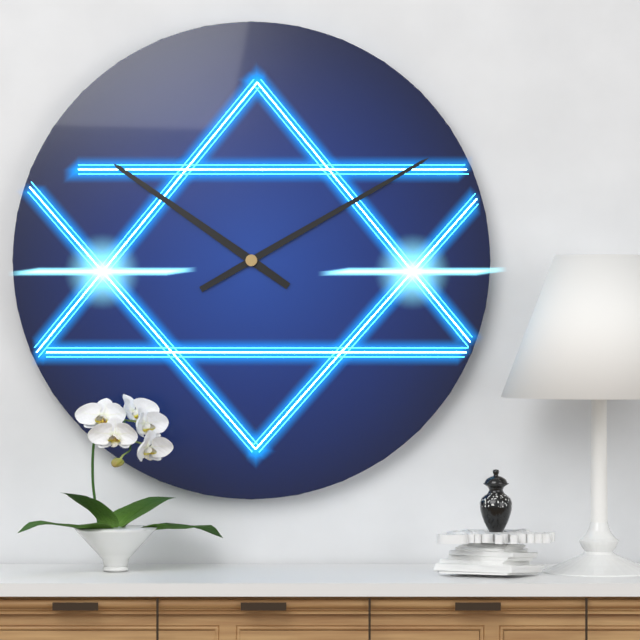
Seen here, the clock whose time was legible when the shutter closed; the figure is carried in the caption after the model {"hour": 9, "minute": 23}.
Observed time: {"hour": 10, "minute": 10}
